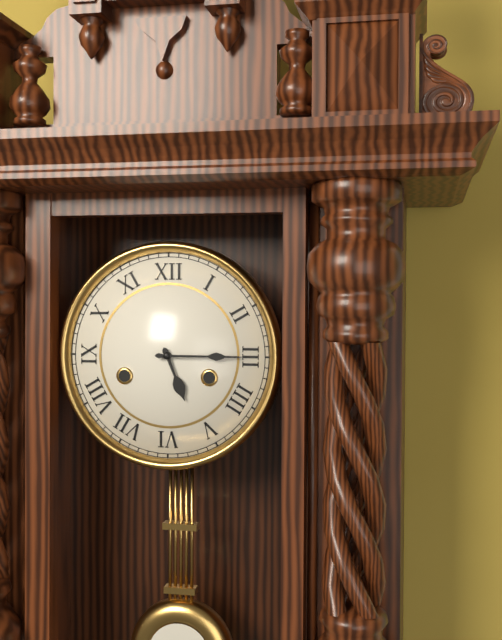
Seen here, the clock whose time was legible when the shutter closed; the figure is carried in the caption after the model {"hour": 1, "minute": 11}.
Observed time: {"hour": 5, "minute": 15}
